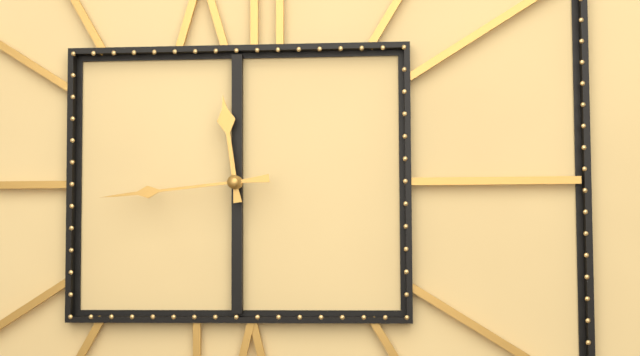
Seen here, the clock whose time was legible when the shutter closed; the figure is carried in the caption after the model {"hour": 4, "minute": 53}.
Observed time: {"hour": 11, "minute": 44}
